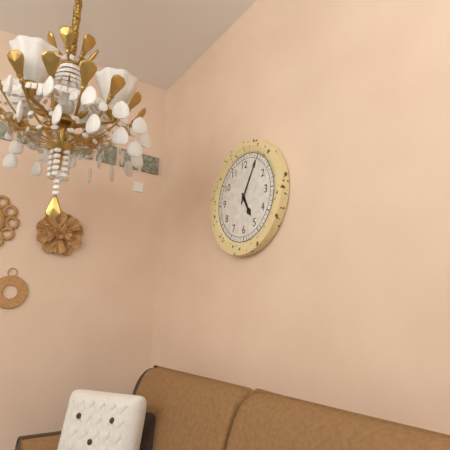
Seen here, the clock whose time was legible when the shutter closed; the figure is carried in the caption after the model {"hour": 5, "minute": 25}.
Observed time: {"hour": 5, "minute": 5}
